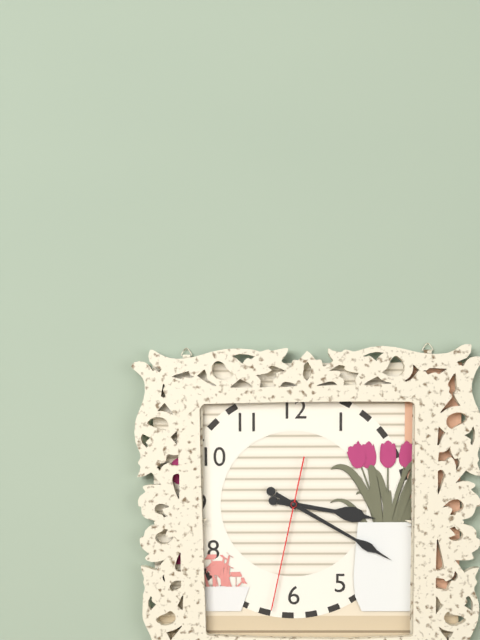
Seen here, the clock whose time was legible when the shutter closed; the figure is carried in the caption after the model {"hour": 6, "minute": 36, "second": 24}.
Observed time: {"hour": 3, "minute": 20, "second": 32}
